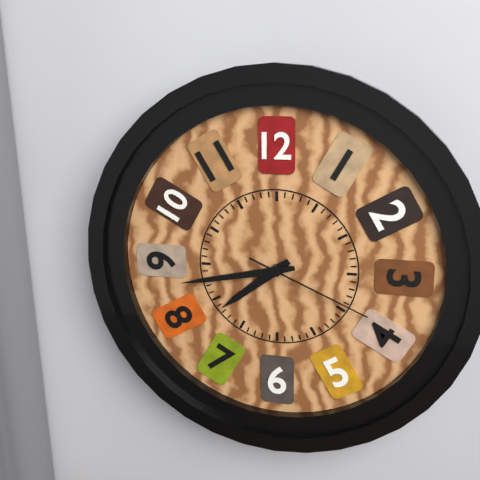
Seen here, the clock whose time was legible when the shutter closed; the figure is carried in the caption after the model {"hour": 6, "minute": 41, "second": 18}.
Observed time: {"hour": 7, "minute": 43, "second": 19}
